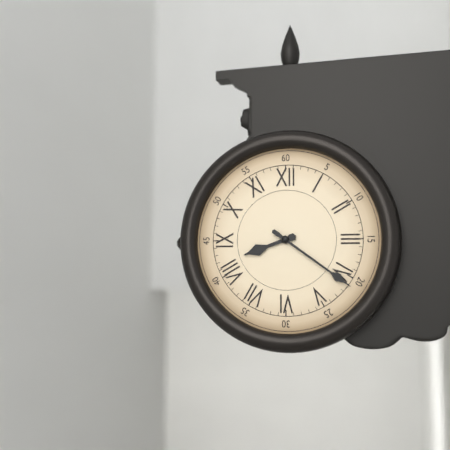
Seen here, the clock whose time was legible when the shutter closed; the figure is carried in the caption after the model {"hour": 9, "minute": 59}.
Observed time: {"hour": 8, "minute": 21}
